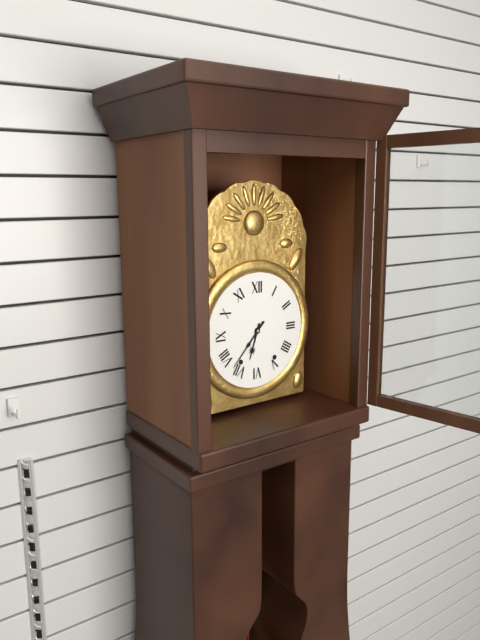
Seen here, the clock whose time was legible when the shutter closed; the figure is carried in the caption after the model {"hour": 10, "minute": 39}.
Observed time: {"hour": 6, "minute": 37}
